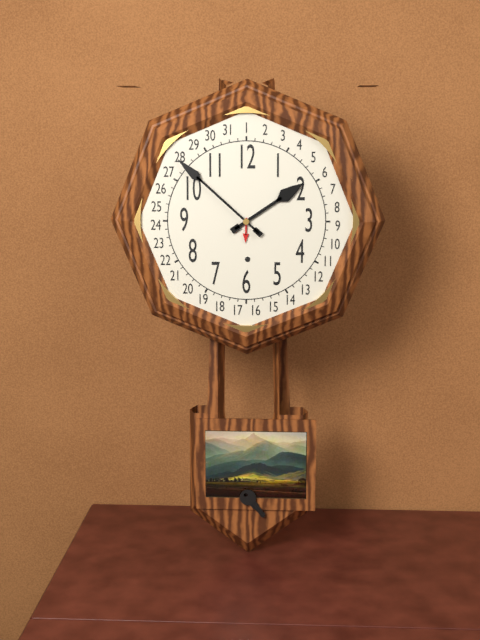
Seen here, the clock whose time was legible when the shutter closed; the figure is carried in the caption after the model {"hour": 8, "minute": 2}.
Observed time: {"hour": 1, "minute": 52}
